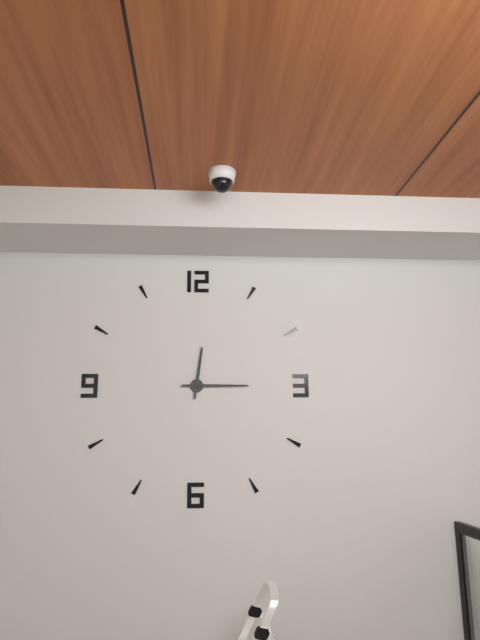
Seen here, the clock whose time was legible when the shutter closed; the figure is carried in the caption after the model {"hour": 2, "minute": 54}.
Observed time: {"hour": 12, "minute": 15}
